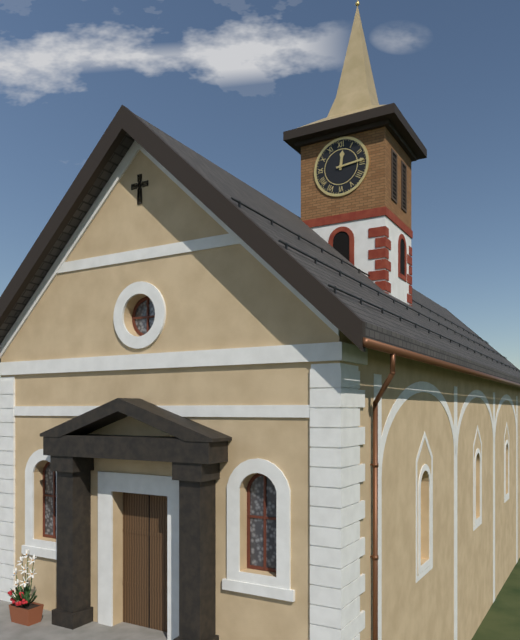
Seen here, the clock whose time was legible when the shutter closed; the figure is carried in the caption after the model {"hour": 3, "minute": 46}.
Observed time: {"hour": 12, "minute": 14}
